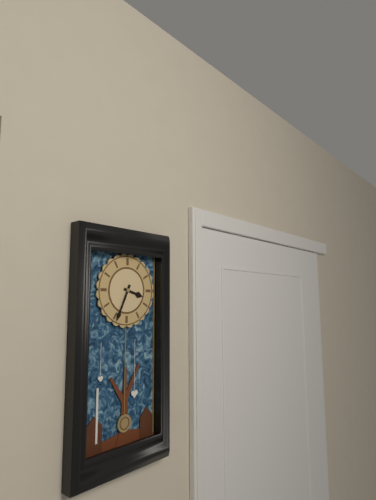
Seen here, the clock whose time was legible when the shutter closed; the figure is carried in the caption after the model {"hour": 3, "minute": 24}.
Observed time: {"hour": 3, "minute": 34}
